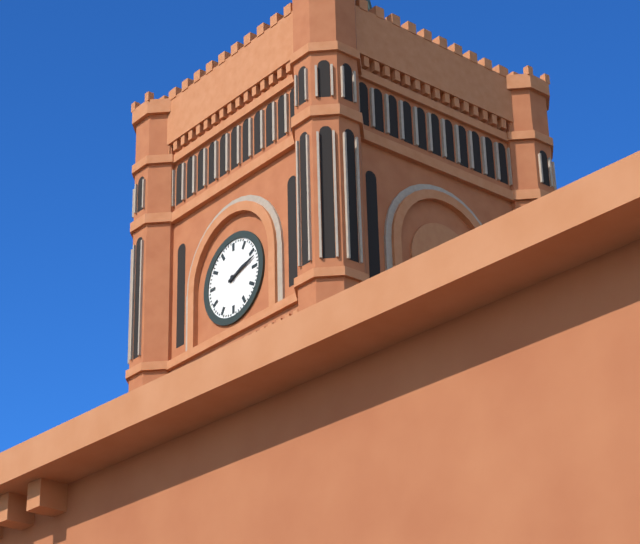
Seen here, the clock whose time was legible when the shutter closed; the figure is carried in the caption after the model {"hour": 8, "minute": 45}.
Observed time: {"hour": 2, "minute": 12}
